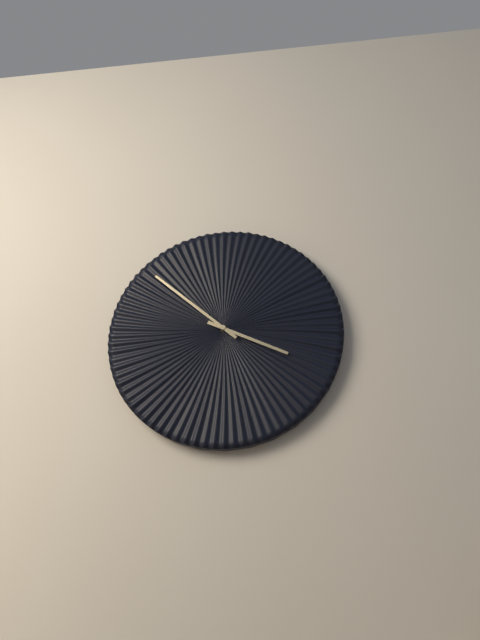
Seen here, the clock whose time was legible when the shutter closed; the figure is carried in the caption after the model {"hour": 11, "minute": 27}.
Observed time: {"hour": 3, "minute": 52}
